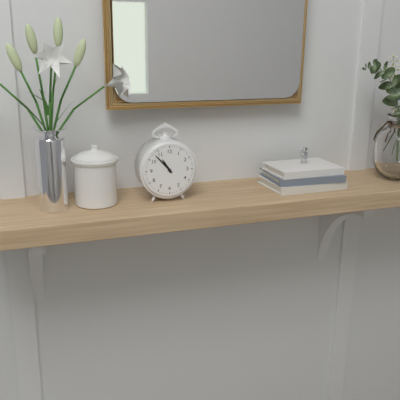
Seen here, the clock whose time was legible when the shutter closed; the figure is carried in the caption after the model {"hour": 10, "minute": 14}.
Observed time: {"hour": 10, "minute": 53}
